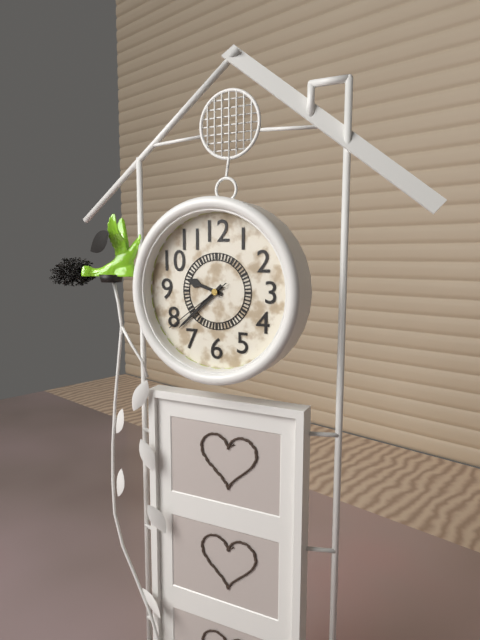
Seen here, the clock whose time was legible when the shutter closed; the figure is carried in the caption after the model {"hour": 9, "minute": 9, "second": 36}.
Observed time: {"hour": 9, "minute": 38, "second": 39}
